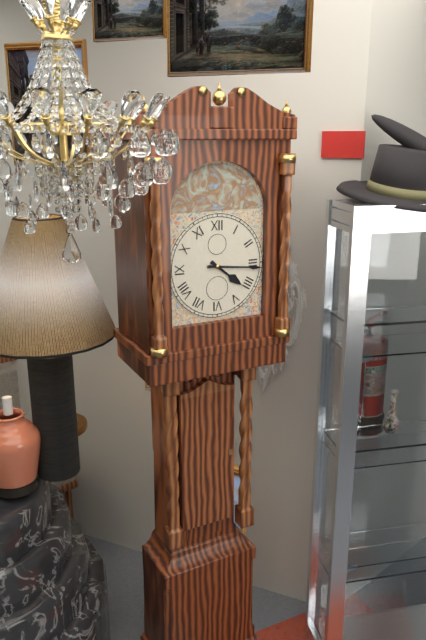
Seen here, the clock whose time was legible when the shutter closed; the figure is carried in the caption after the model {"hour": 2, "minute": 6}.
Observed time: {"hour": 4, "minute": 16}
